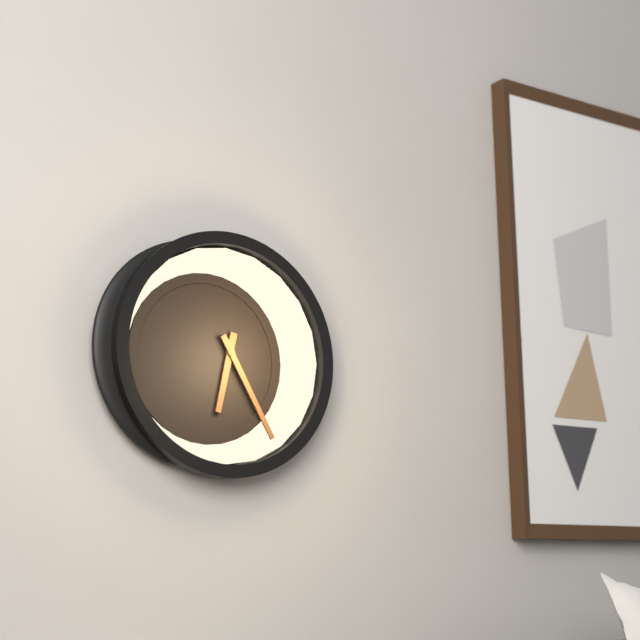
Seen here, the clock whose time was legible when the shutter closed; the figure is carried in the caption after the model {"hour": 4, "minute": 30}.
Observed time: {"hour": 6, "minute": 25}
